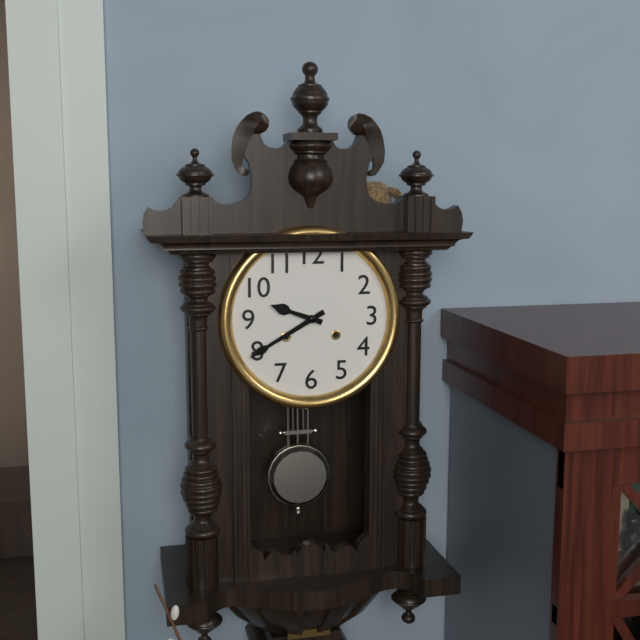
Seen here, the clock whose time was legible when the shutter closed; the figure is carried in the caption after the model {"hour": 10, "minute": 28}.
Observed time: {"hour": 9, "minute": 40}
